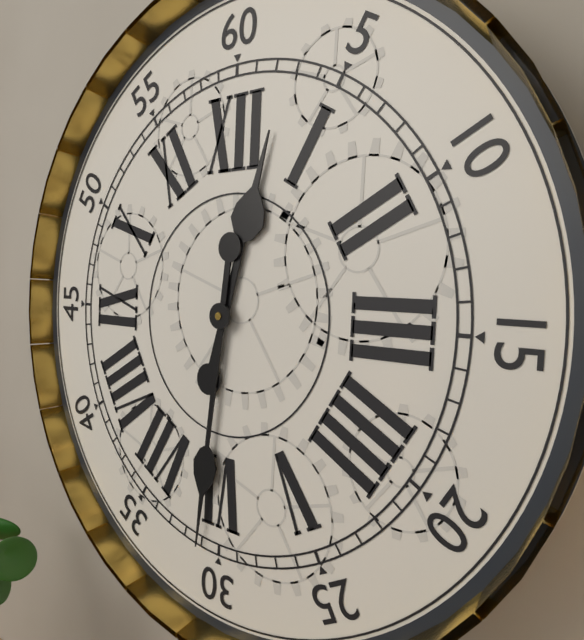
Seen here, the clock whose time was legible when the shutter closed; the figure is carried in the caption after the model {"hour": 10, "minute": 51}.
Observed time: {"hour": 12, "minute": 31}
